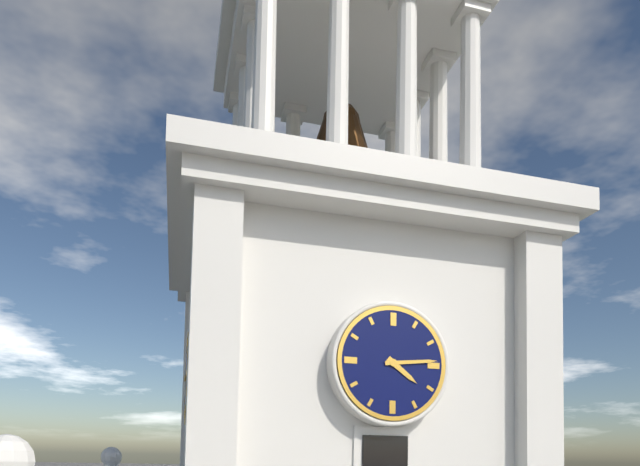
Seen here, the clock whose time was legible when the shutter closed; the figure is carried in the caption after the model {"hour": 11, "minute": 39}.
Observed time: {"hour": 4, "minute": 14}
